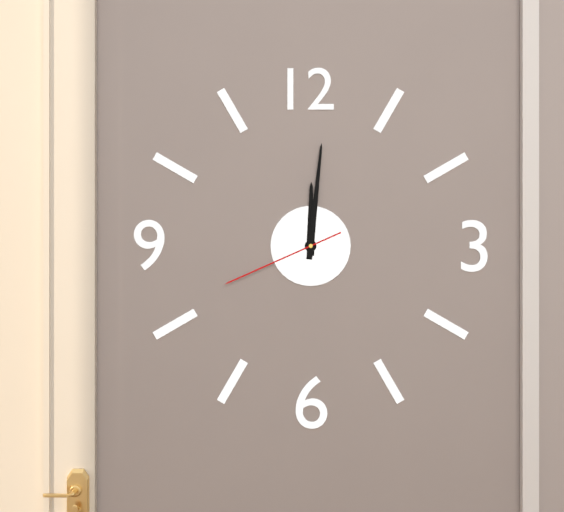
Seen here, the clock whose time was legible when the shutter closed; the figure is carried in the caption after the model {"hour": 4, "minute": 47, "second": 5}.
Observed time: {"hour": 12, "minute": 1, "second": 41}
